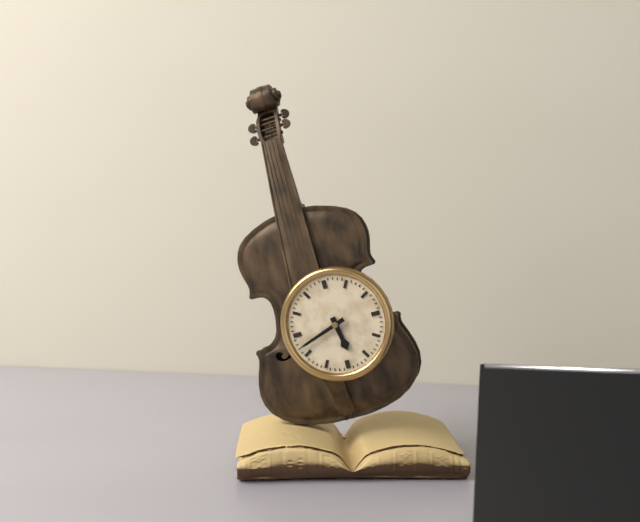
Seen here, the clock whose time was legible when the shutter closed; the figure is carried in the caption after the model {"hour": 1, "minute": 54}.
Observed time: {"hour": 5, "minute": 42}
